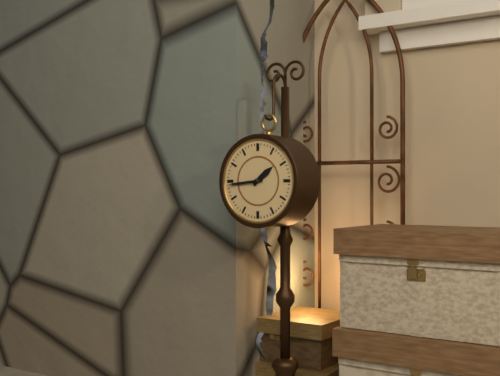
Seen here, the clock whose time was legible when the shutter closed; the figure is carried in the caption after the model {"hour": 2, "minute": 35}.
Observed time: {"hour": 1, "minute": 44}
